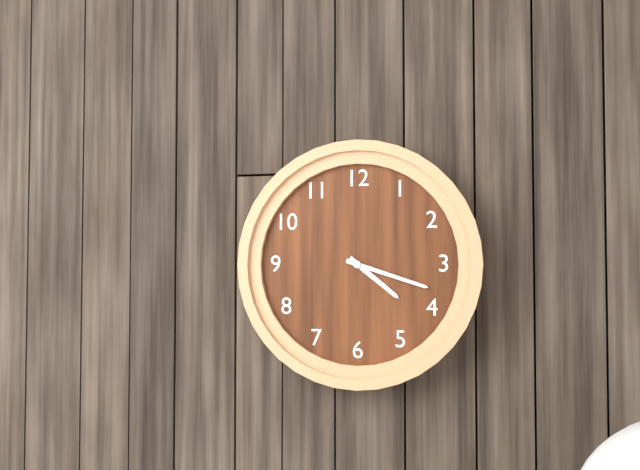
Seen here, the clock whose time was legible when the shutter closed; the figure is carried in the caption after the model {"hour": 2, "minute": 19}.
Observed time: {"hour": 4, "minute": 18}
